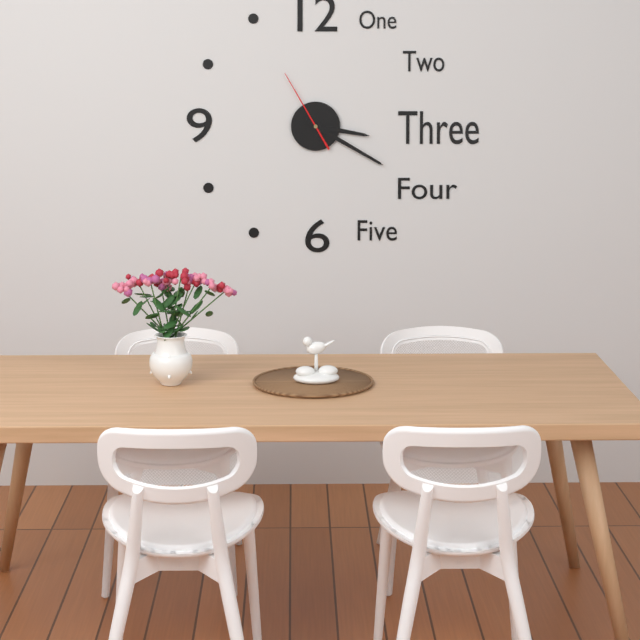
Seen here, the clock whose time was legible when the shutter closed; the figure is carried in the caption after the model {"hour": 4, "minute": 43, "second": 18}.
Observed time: {"hour": 3, "minute": 20, "second": 55}
